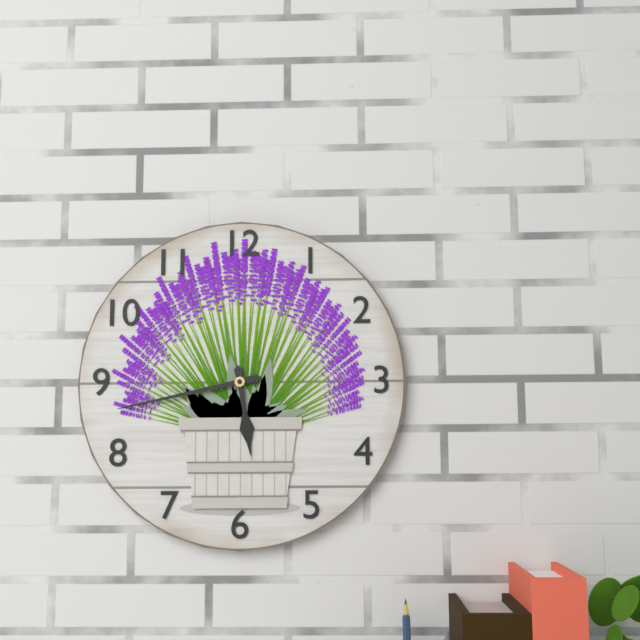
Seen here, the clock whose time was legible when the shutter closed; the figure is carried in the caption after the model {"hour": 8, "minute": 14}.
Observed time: {"hour": 5, "minute": 43}
